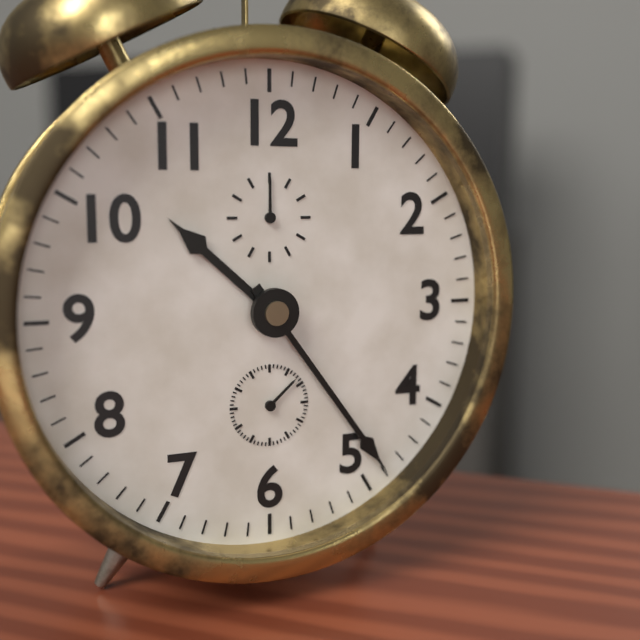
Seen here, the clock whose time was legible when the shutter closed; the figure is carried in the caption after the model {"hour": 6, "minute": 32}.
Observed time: {"hour": 10, "minute": 24}
